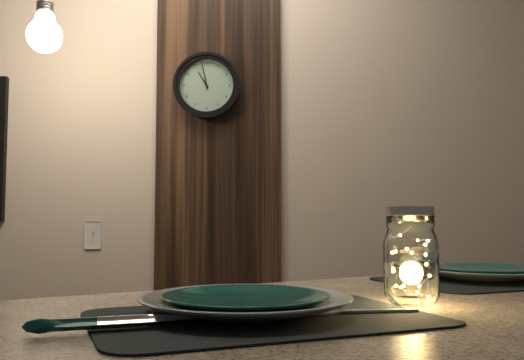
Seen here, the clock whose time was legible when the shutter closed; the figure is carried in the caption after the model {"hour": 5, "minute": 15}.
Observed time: {"hour": 10, "minute": 58}
